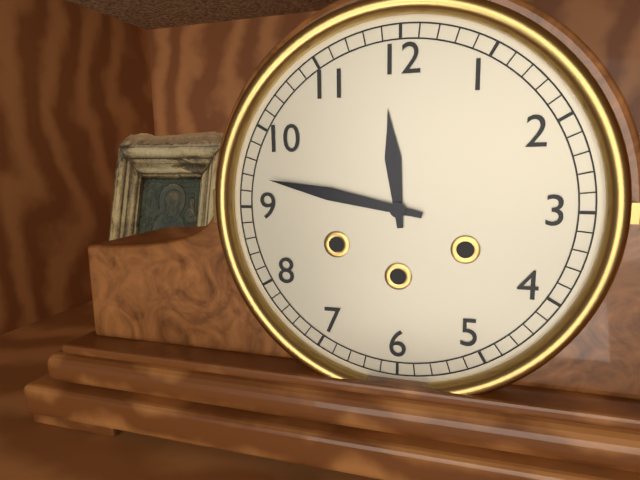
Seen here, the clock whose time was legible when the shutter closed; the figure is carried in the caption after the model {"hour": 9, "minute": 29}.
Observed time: {"hour": 11, "minute": 47}
